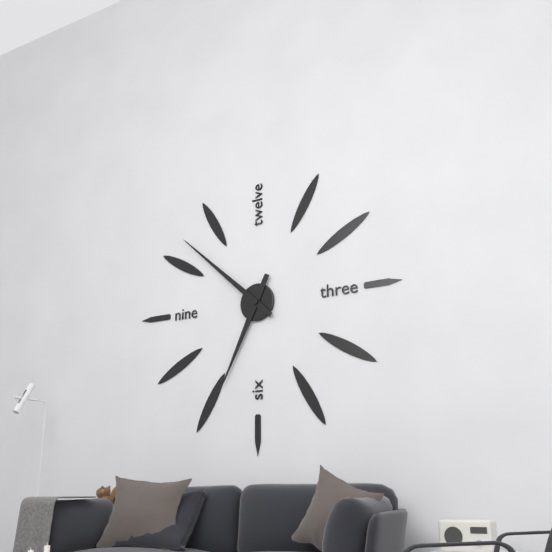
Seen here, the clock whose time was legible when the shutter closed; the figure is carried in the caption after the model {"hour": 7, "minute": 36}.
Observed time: {"hour": 6, "minute": 52}
